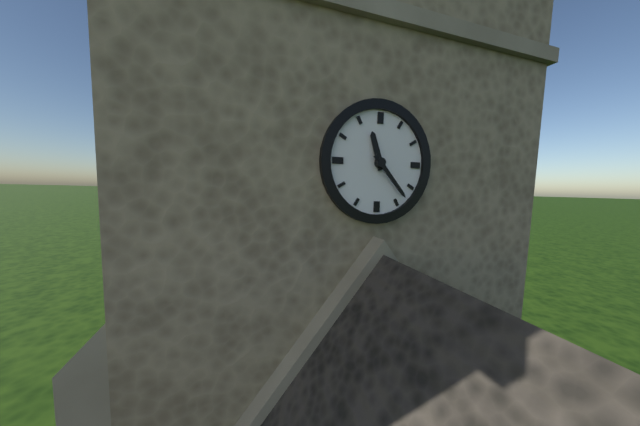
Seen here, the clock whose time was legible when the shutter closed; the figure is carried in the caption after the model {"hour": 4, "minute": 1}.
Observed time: {"hour": 11, "minute": 23}
